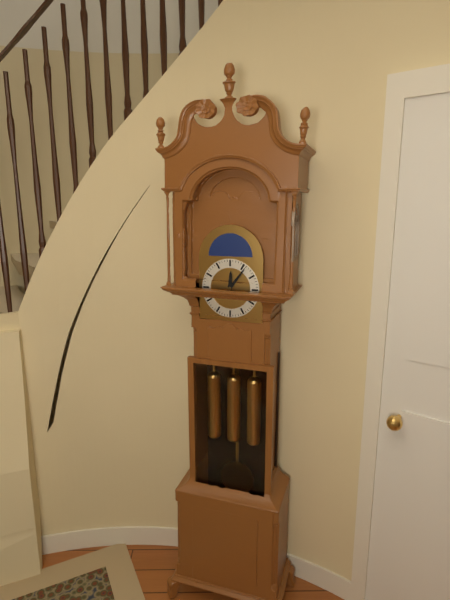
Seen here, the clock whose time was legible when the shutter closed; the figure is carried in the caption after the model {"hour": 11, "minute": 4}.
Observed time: {"hour": 12, "minute": 6}
